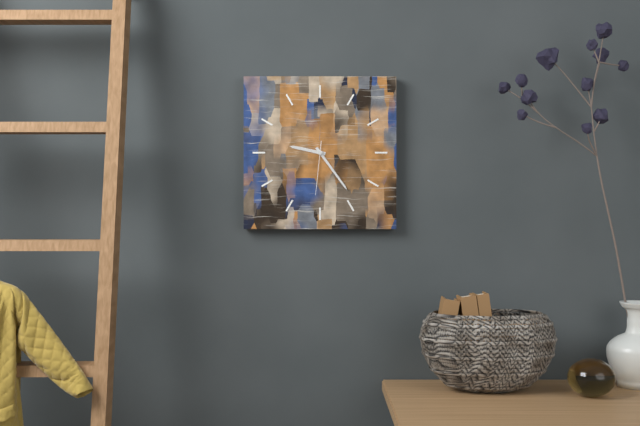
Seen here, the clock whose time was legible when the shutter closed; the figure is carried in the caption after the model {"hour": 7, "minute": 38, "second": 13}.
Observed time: {"hour": 9, "minute": 24, "second": 31}
